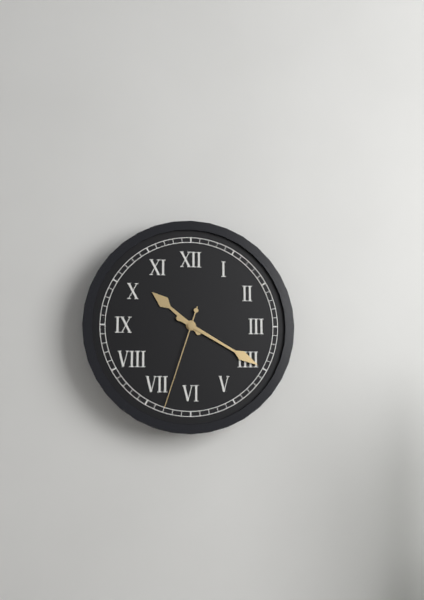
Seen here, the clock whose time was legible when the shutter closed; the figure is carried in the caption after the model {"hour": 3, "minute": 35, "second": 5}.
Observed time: {"hour": 10, "minute": 20, "second": 33}
